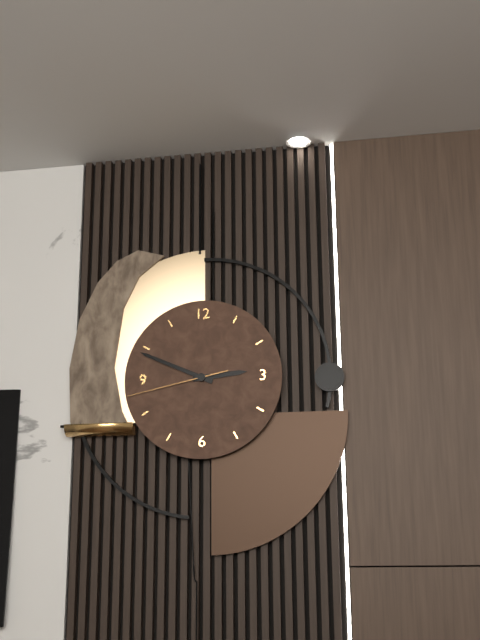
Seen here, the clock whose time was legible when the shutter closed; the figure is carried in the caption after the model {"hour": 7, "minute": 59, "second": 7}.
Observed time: {"hour": 2, "minute": 49, "second": 43}
